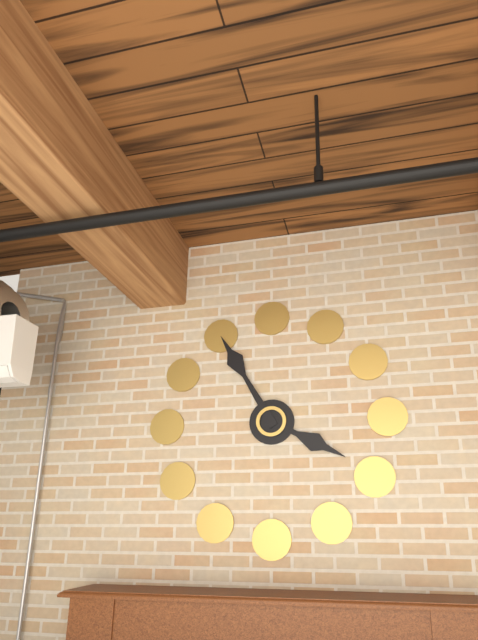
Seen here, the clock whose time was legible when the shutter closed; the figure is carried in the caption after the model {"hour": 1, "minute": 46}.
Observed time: {"hour": 3, "minute": 55}
